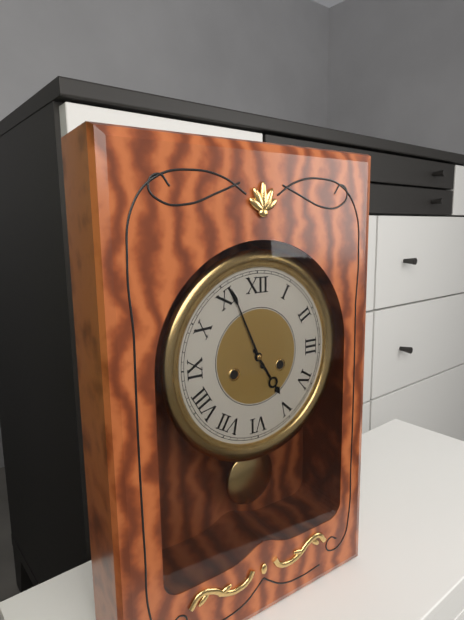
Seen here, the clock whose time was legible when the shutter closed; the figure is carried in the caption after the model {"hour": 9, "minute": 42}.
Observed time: {"hour": 4, "minute": 56}
